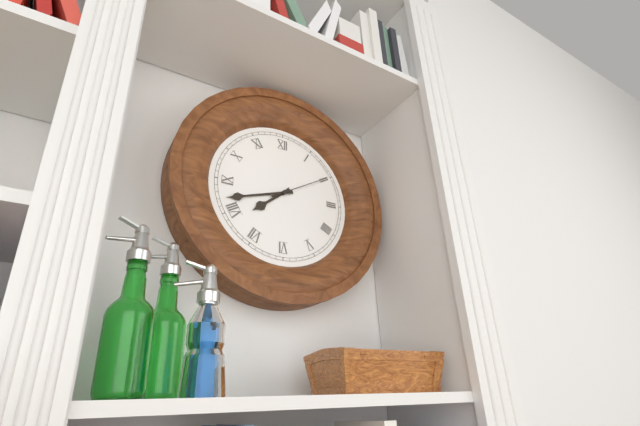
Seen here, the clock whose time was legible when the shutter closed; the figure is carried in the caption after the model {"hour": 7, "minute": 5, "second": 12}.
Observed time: {"hour": 7, "minute": 42, "second": 10}
